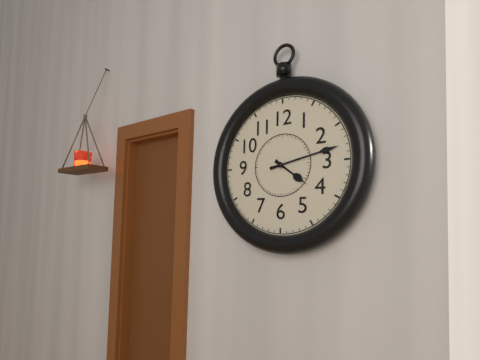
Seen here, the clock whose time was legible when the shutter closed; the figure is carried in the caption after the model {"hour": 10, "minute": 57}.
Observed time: {"hour": 4, "minute": 13}
